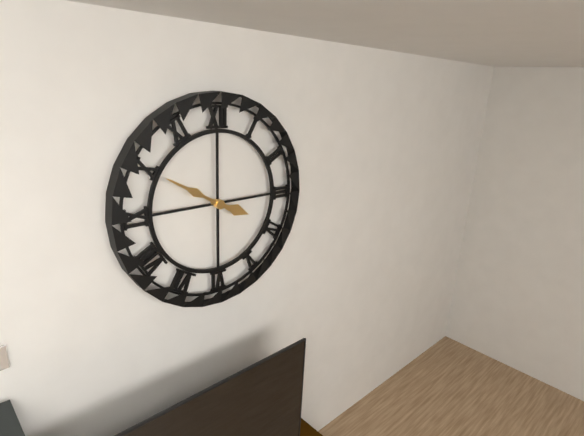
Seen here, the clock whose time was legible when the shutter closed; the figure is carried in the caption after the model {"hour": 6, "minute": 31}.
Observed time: {"hour": 3, "minute": 50}
